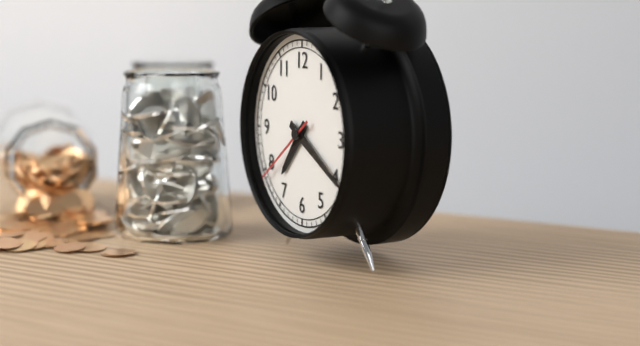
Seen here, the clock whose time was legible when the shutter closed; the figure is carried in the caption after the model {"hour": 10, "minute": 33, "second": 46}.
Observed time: {"hour": 7, "minute": 20, "second": 39}
